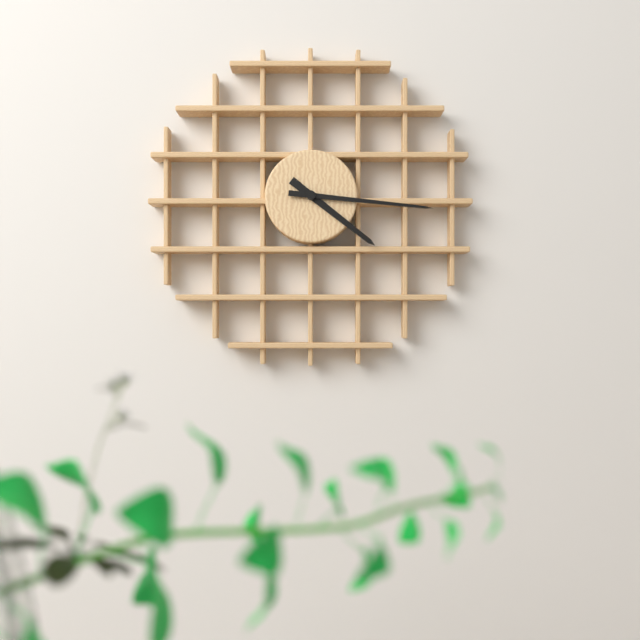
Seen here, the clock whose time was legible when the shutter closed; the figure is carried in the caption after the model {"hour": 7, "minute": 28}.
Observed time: {"hour": 4, "minute": 16}
